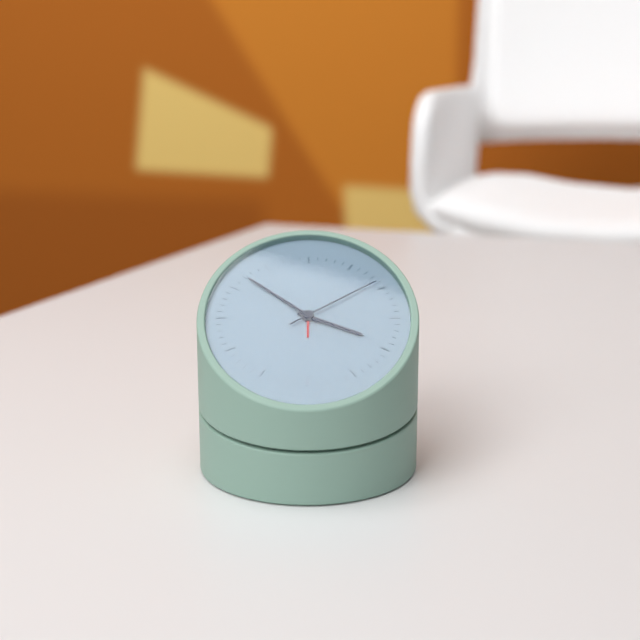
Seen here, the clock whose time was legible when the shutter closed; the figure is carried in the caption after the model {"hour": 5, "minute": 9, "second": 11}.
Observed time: {"hour": 3, "minute": 52, "second": 9}
